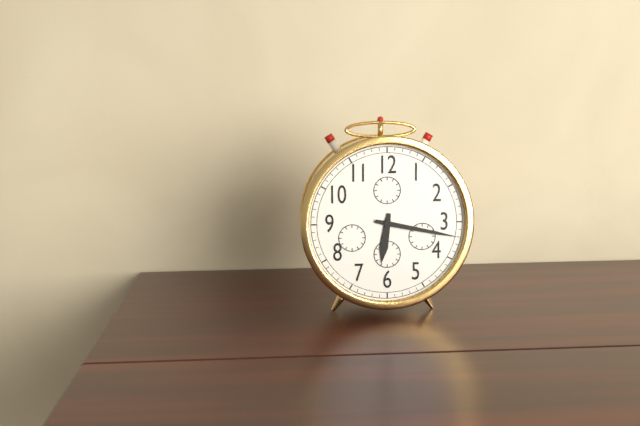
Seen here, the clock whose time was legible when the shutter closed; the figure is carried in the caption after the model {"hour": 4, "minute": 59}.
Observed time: {"hour": 6, "minute": 17}
